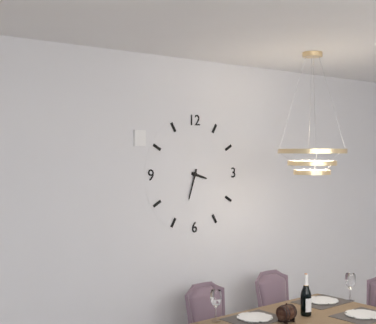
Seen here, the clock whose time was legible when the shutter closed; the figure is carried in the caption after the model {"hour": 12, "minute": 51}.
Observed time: {"hour": 3, "minute": 33}
